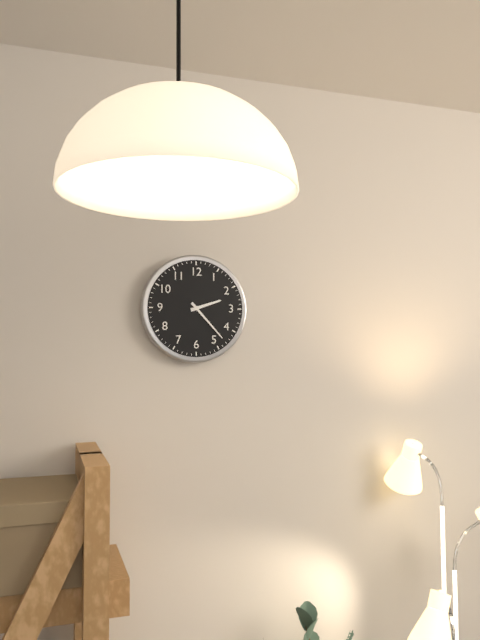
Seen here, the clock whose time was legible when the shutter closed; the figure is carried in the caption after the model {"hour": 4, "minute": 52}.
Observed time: {"hour": 2, "minute": 23}
